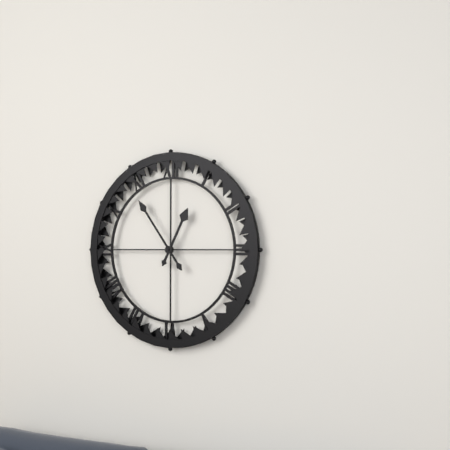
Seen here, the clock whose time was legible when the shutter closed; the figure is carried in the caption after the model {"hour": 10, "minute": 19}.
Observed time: {"hour": 12, "minute": 54}
